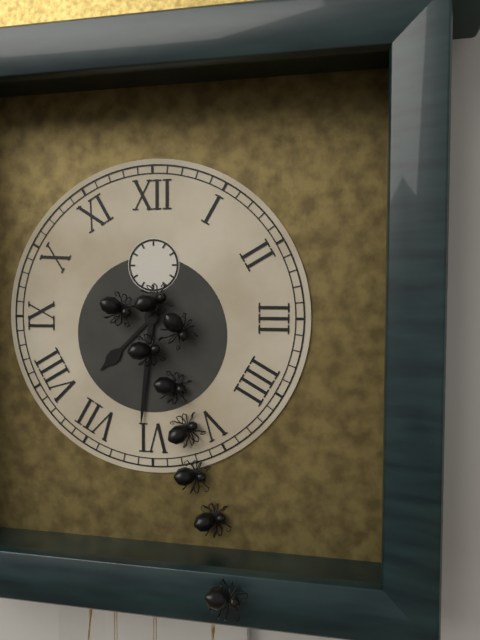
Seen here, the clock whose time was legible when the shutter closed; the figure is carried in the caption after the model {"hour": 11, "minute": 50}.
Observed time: {"hour": 7, "minute": 31}
